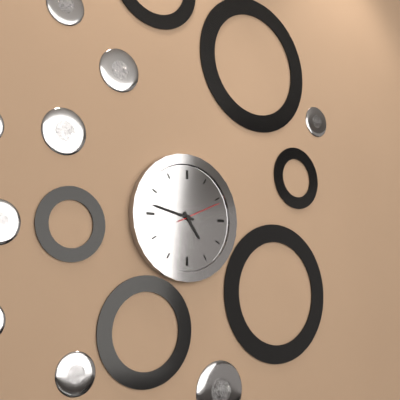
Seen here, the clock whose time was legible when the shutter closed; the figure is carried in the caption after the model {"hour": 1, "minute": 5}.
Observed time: {"hour": 4, "minute": 47}
